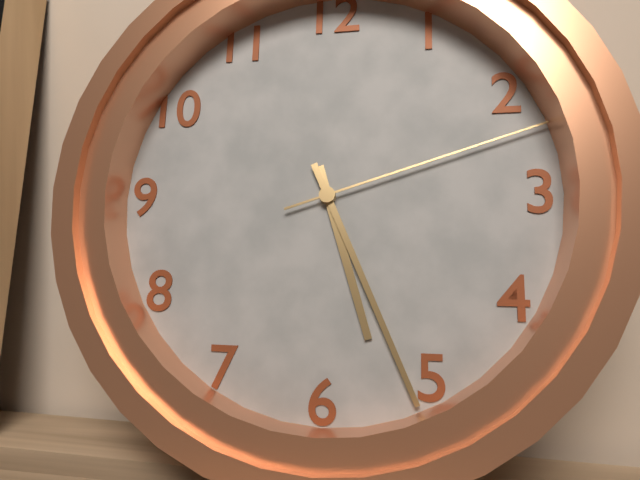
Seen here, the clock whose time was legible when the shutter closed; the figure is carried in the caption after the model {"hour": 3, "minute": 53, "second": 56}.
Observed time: {"hour": 5, "minute": 26, "second": 12}
